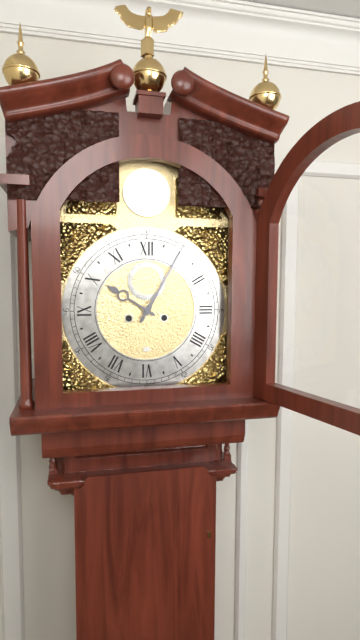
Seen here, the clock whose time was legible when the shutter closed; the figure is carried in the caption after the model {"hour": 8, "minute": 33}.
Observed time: {"hour": 10, "minute": 5}
